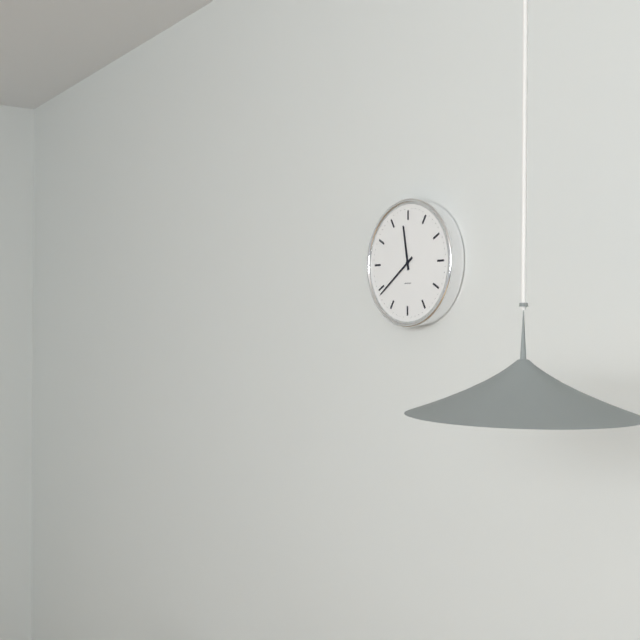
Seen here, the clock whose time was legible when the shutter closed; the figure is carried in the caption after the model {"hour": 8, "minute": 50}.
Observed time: {"hour": 11, "minute": 39}
